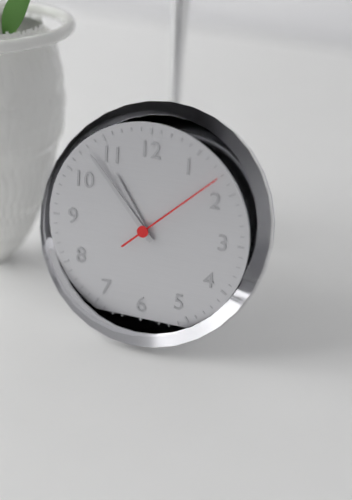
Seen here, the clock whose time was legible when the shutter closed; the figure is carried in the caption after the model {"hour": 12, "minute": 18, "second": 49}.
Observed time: {"hour": 10, "minute": 53, "second": 8}
